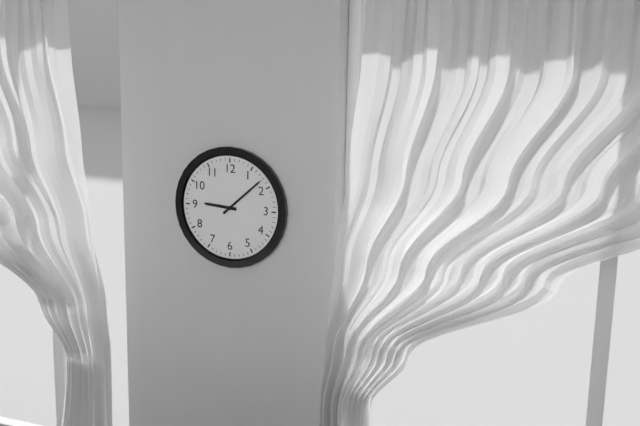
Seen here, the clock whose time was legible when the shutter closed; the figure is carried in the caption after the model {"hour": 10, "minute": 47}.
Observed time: {"hour": 9, "minute": 8}
